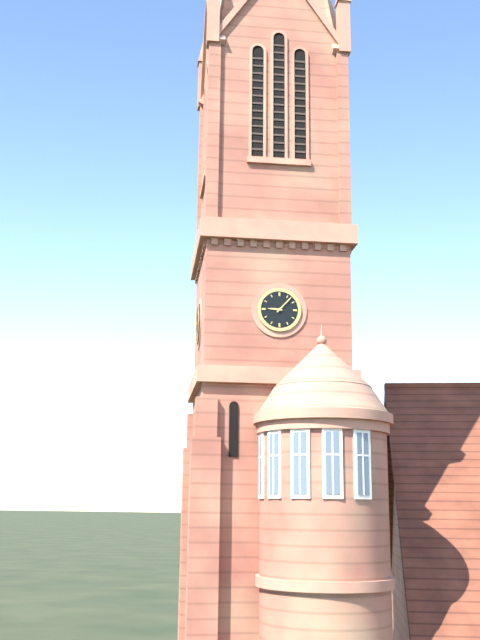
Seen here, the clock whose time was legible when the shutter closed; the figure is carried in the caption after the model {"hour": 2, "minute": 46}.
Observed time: {"hour": 9, "minute": 7}
